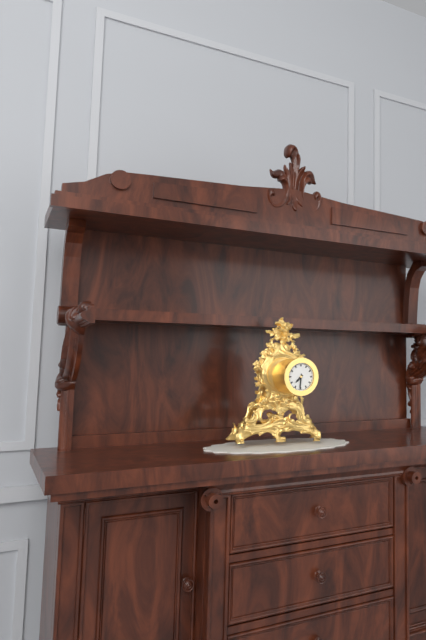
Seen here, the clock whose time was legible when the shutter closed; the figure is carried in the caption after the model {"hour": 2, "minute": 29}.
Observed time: {"hour": 7, "minute": 31}
